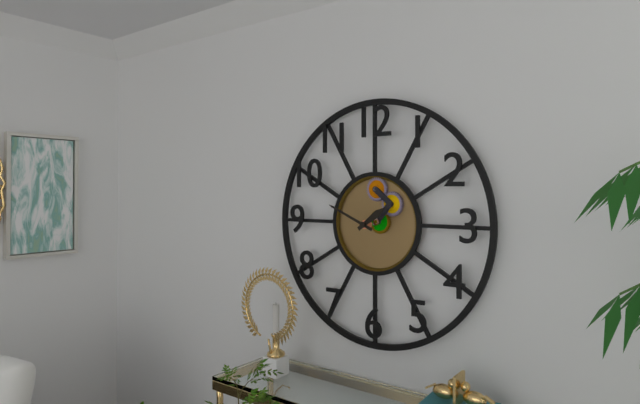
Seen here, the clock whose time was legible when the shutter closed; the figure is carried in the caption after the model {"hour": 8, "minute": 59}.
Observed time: {"hour": 1, "minute": 49}
